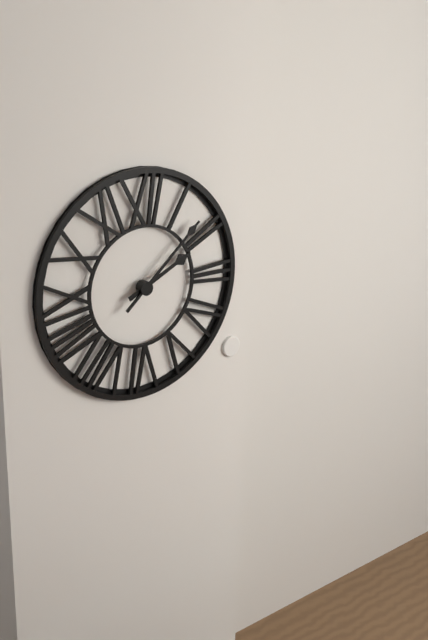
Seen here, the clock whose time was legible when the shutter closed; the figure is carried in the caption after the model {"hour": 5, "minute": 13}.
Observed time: {"hour": 2, "minute": 8}
